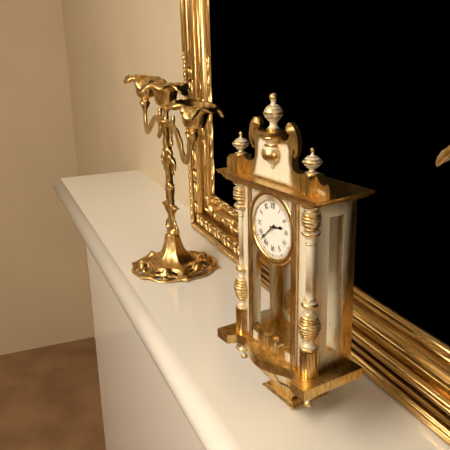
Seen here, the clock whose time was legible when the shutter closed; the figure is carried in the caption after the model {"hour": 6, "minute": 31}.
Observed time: {"hour": 2, "minute": 38}
